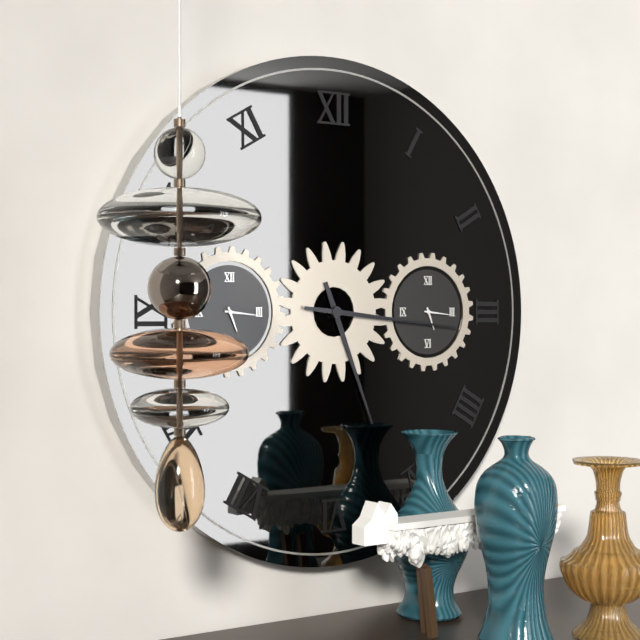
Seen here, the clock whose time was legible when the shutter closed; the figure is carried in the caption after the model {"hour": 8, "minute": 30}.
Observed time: {"hour": 5, "minute": 16}
